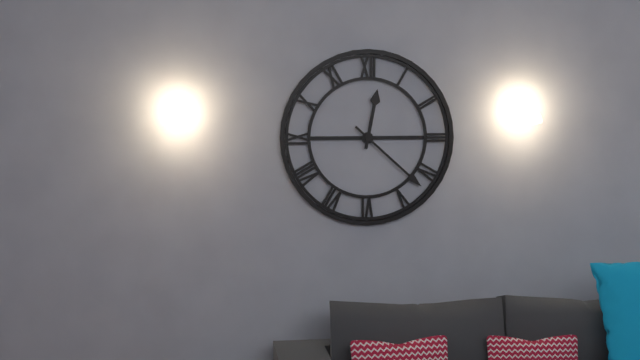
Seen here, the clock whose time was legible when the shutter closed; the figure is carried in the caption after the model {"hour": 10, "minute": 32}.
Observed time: {"hour": 12, "minute": 22}
